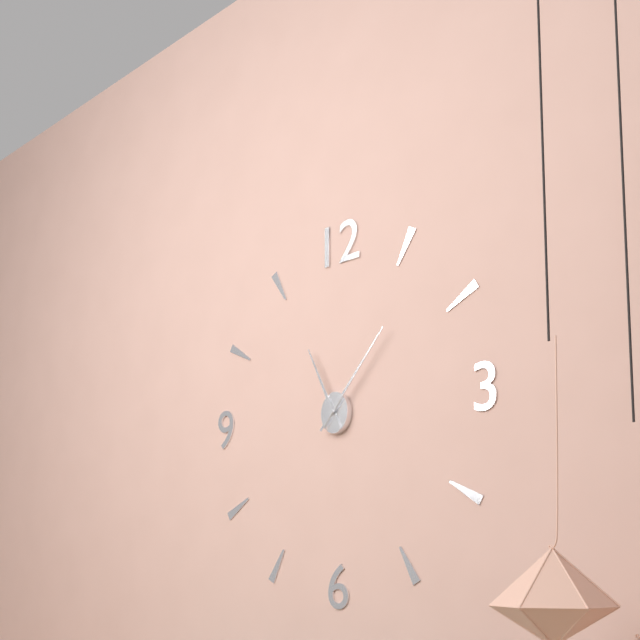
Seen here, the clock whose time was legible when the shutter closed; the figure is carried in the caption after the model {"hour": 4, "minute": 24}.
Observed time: {"hour": 11, "minute": 7}
